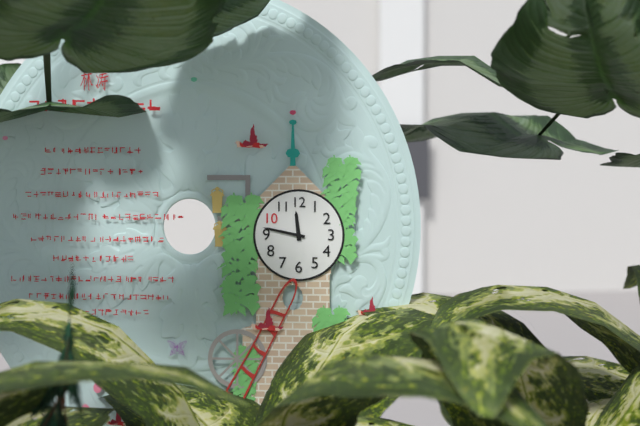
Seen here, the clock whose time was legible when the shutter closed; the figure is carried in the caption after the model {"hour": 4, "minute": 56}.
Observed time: {"hour": 11, "minute": 47}
